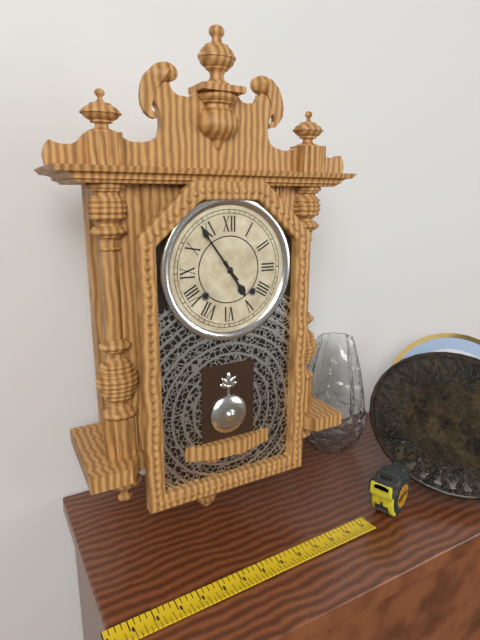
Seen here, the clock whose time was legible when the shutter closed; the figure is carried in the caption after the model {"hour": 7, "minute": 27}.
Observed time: {"hour": 4, "minute": 54}
